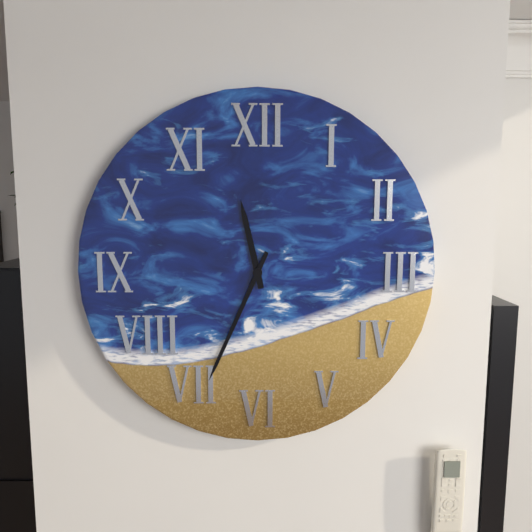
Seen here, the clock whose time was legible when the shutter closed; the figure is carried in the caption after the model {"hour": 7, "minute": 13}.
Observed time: {"hour": 11, "minute": 34}
